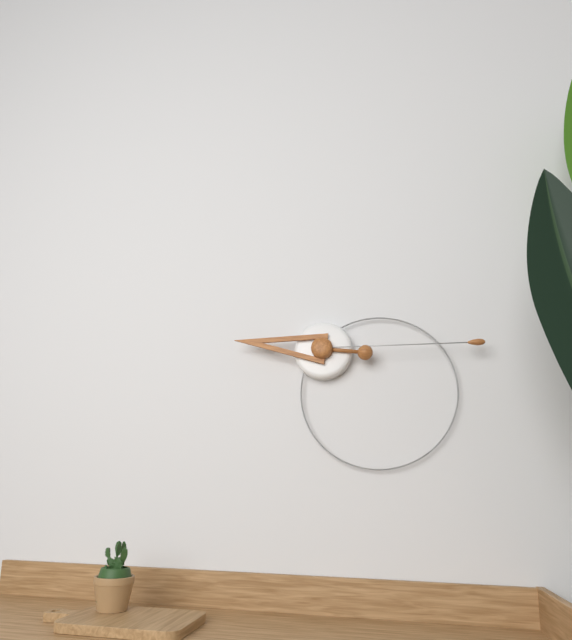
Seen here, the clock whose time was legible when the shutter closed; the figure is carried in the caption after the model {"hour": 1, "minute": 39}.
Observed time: {"hour": 9, "minute": 15}
